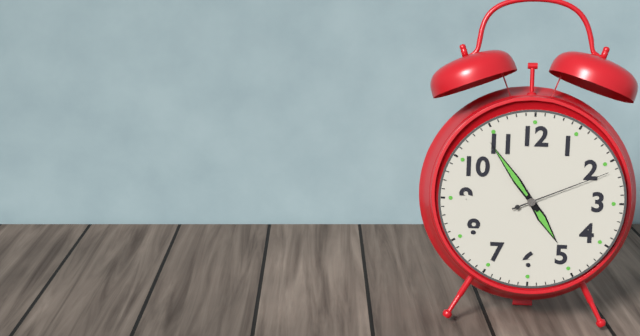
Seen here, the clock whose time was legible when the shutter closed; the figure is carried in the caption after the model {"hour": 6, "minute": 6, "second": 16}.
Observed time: {"hour": 4, "minute": 54, "second": 11}
